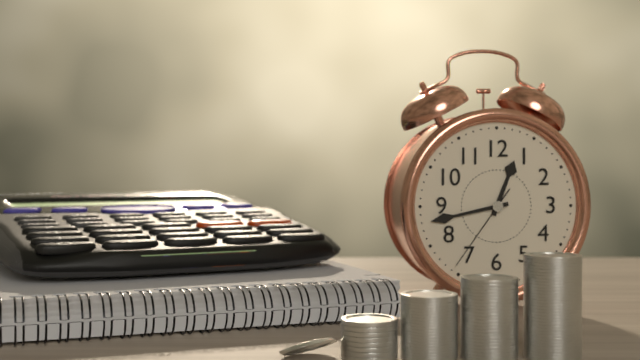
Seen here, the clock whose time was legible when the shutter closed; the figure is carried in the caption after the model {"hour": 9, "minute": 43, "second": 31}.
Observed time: {"hour": 12, "minute": 43, "second": 36}
